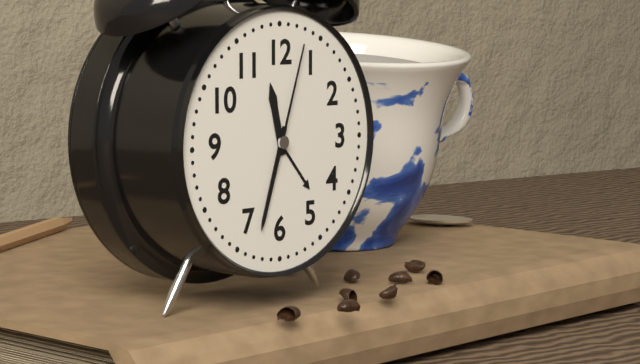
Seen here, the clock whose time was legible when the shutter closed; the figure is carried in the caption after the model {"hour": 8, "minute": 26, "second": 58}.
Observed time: {"hour": 11, "minute": 33, "second": 3}
